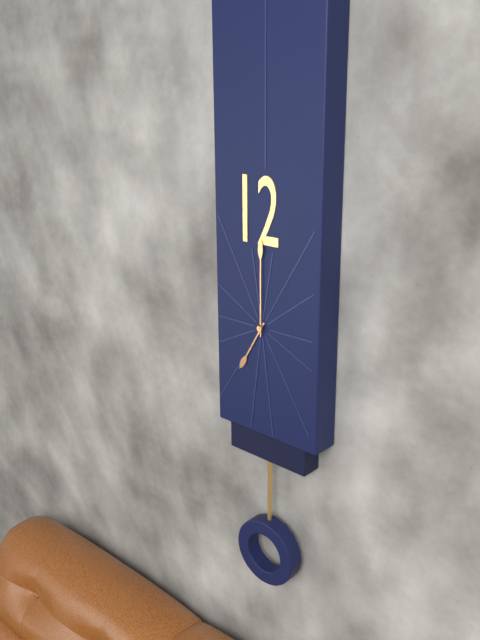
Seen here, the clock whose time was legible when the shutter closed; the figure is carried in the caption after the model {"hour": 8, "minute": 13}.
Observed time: {"hour": 7, "minute": 0}
